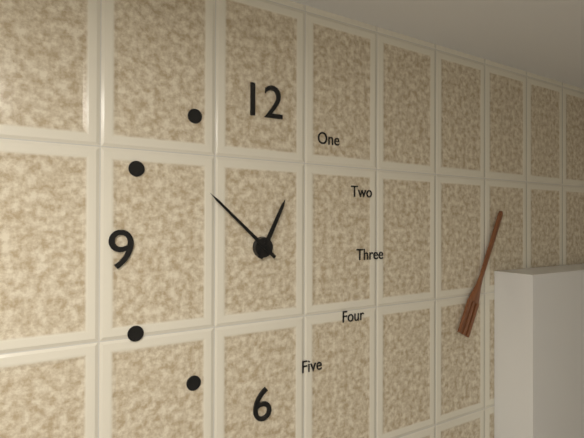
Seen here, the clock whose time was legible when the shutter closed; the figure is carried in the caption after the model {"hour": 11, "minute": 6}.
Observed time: {"hour": 12, "minute": 52}
